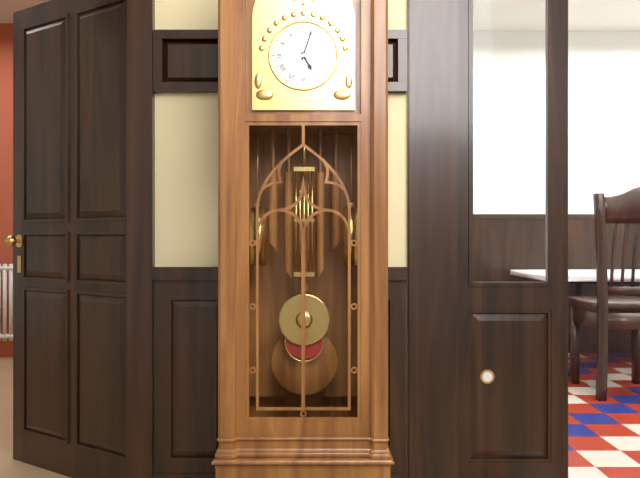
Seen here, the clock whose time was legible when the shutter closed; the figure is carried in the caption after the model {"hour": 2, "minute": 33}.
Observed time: {"hour": 5, "minute": 3}
